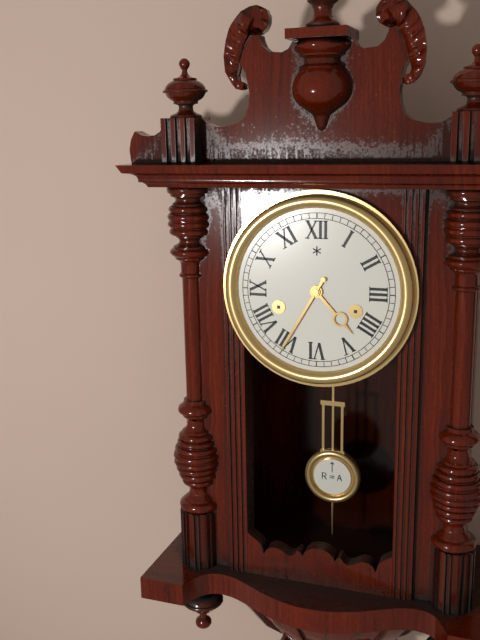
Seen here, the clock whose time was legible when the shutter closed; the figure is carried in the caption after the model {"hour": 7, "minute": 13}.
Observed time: {"hour": 4, "minute": 35}
